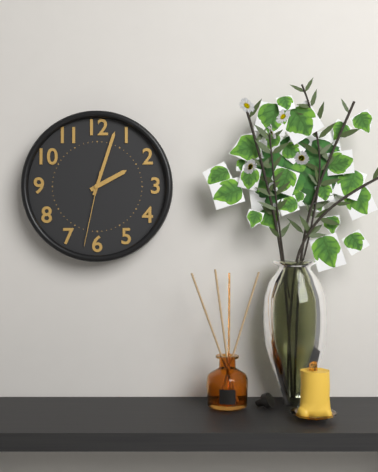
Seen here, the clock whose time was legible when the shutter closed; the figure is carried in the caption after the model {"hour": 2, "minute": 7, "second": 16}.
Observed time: {"hour": 2, "minute": 3, "second": 32}
